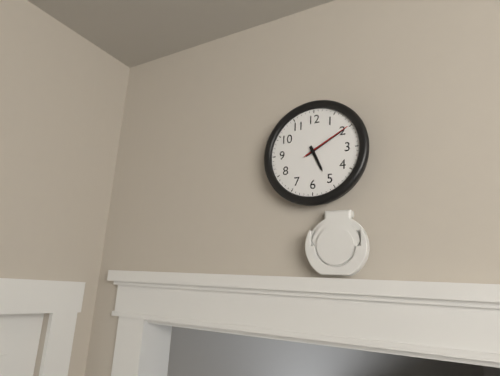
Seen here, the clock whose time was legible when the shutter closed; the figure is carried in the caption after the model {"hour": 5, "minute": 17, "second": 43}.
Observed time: {"hour": 5, "minute": 10, "second": 10}
